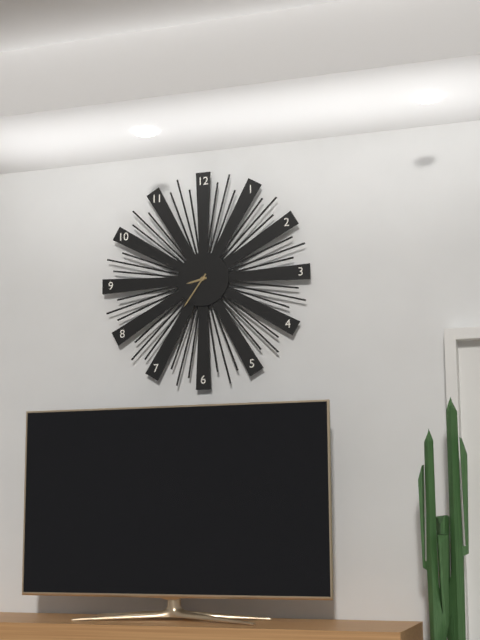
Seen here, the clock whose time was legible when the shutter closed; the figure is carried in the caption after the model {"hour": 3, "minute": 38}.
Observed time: {"hour": 8, "minute": 36}
